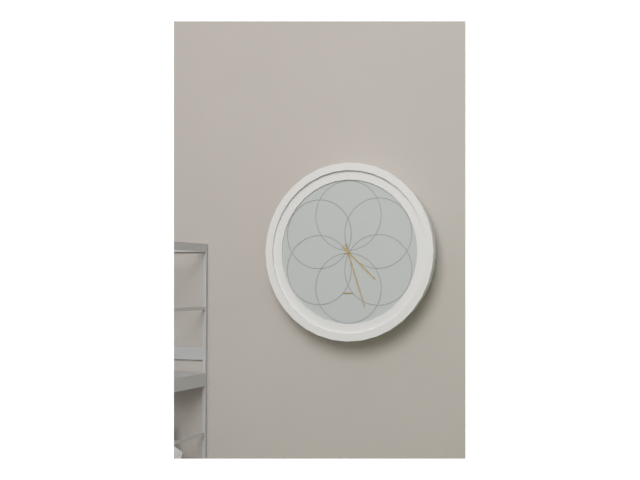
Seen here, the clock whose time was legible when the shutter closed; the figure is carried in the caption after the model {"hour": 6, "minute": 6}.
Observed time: {"hour": 4, "minute": 27}
